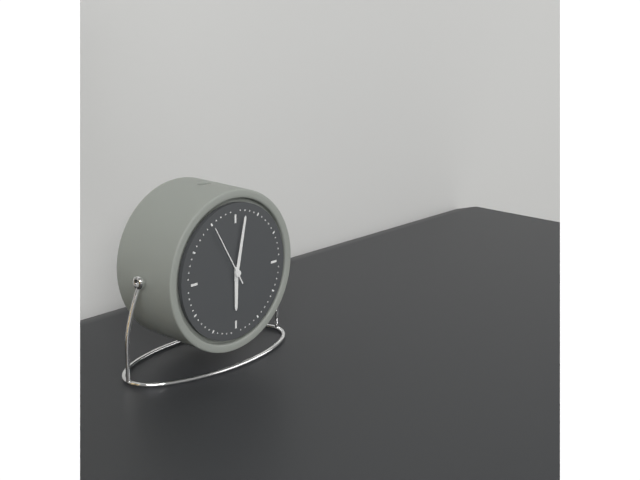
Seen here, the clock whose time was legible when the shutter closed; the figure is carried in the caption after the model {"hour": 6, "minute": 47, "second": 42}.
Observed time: {"hour": 6, "minute": 2, "second": 55}
